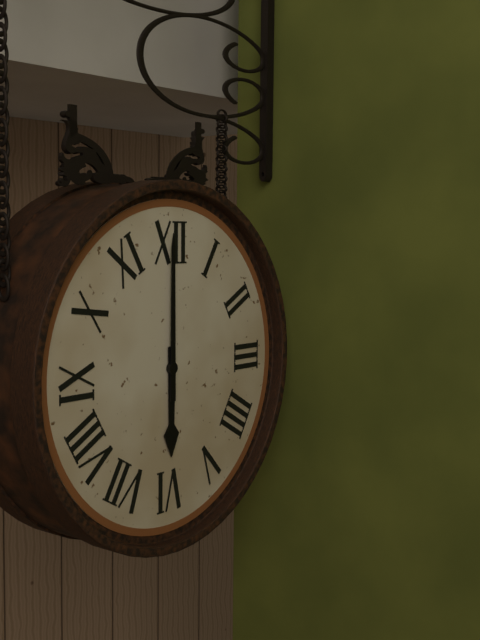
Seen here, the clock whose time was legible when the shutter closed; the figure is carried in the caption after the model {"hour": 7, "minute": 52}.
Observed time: {"hour": 6, "minute": 0}
